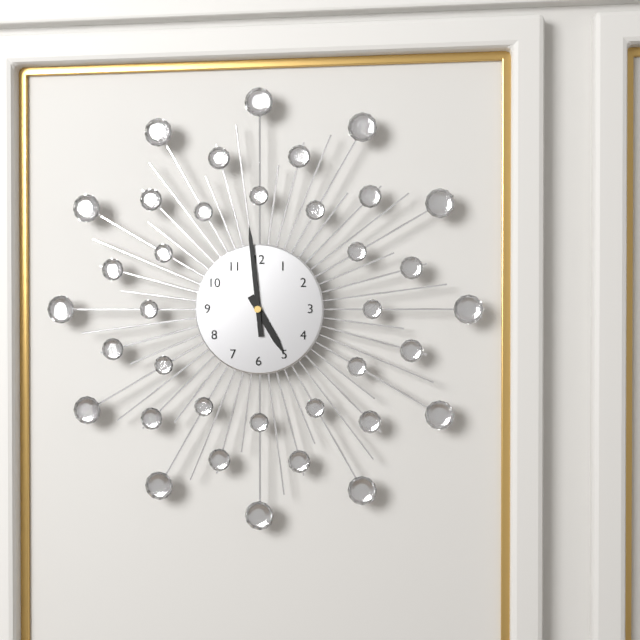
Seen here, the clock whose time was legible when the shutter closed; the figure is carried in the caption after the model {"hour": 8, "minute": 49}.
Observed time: {"hour": 4, "minute": 59}
